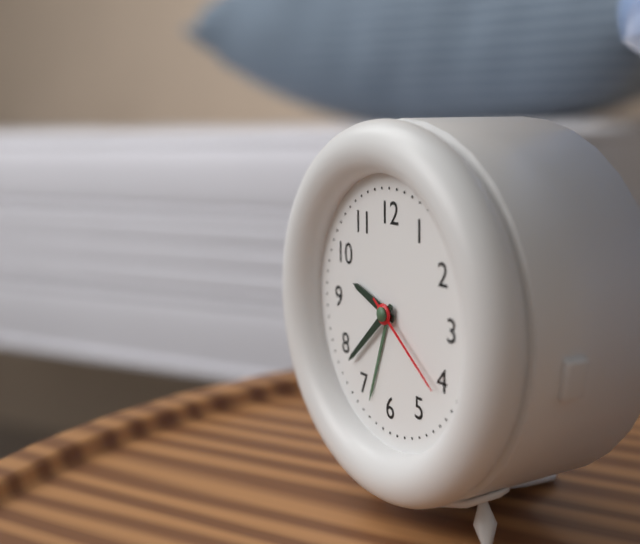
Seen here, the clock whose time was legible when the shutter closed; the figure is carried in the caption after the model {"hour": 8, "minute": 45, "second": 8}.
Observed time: {"hour": 9, "minute": 38, "second": 21}
